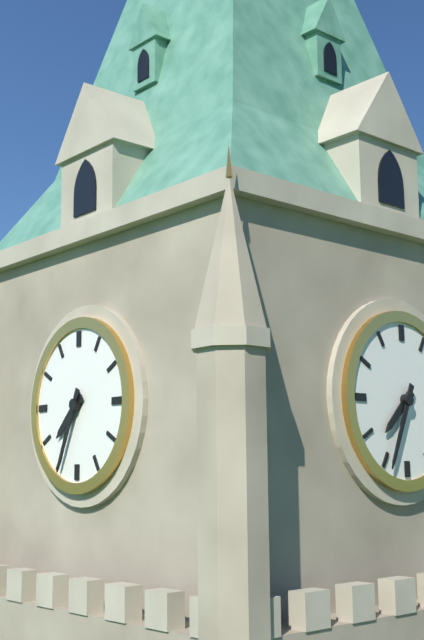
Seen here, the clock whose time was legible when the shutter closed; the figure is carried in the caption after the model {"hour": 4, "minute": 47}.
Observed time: {"hour": 7, "minute": 34}
